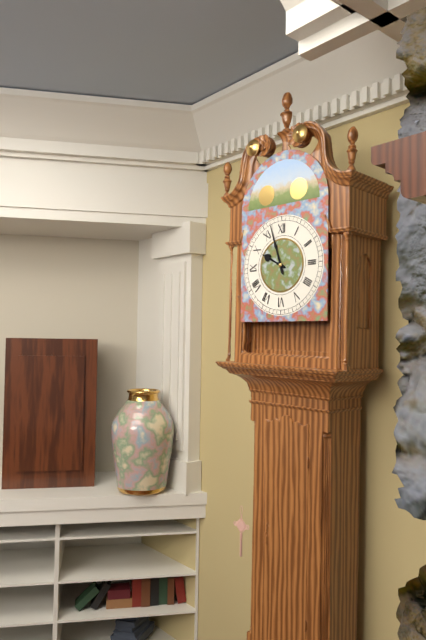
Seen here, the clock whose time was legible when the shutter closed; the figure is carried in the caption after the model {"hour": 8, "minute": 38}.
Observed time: {"hour": 9, "minute": 57}
